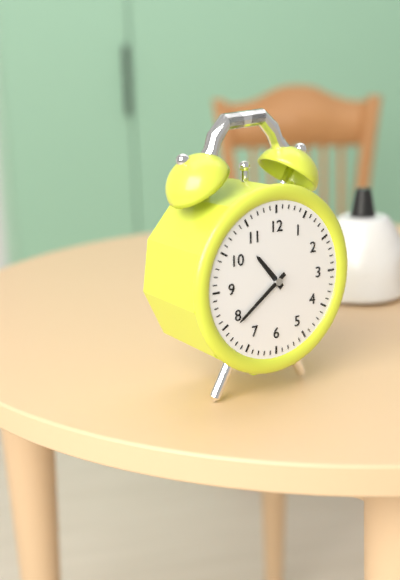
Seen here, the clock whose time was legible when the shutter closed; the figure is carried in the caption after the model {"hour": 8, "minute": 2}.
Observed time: {"hour": 10, "minute": 39}
